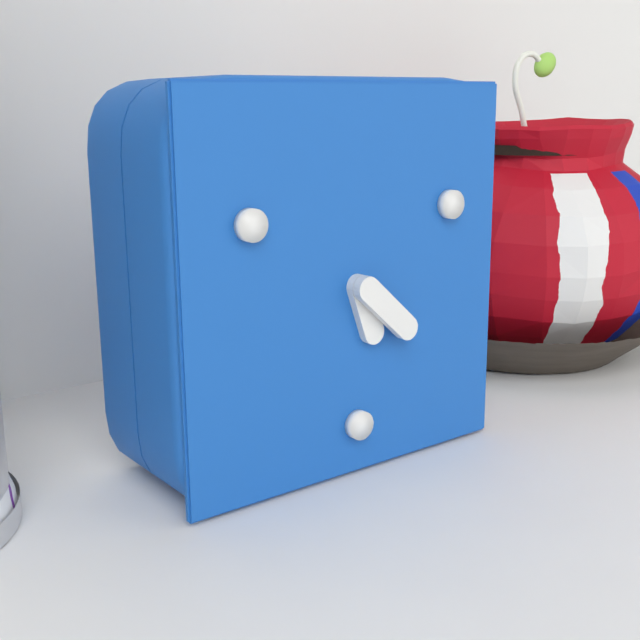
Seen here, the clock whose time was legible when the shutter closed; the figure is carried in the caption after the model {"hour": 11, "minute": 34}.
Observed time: {"hour": 5, "minute": 22}
